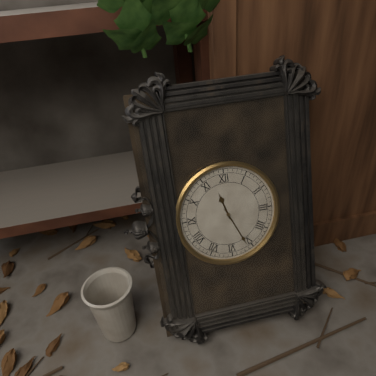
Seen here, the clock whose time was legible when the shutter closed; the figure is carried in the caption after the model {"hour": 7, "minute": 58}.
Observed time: {"hour": 11, "minute": 26}
